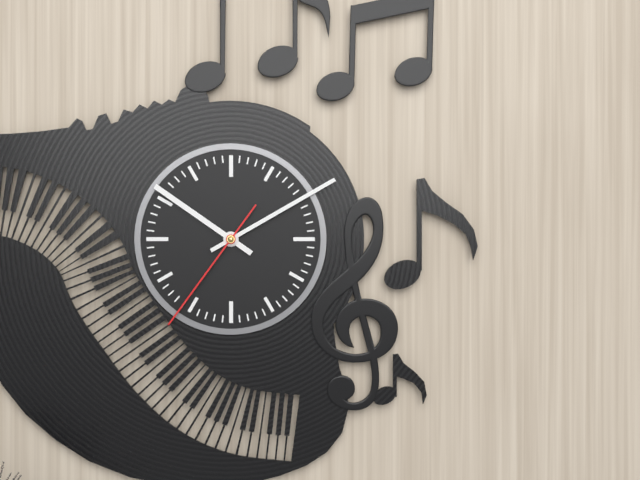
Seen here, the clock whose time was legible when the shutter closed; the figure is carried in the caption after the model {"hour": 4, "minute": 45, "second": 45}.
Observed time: {"hour": 10, "minute": 10, "second": 36}
